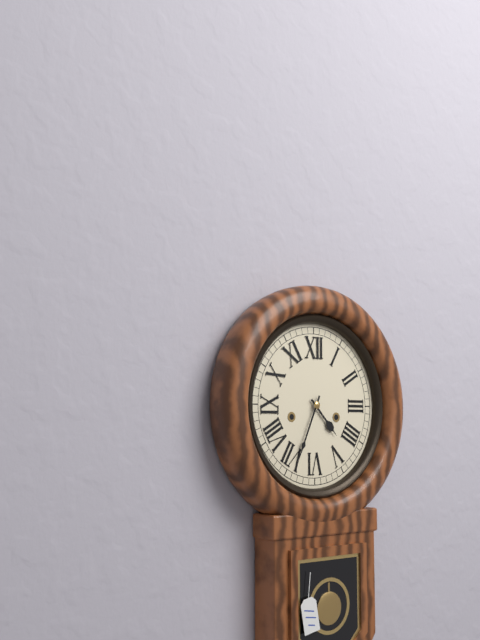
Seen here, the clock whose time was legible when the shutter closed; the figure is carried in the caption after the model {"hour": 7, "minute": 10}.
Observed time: {"hour": 4, "minute": 34}
